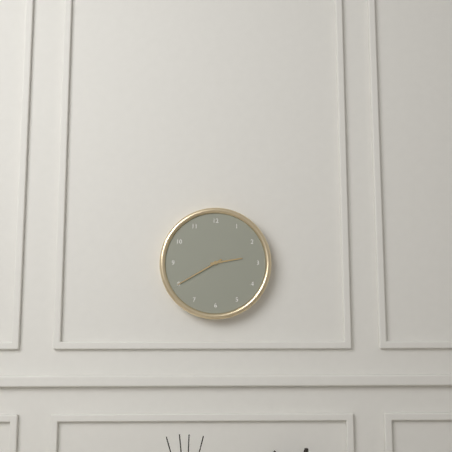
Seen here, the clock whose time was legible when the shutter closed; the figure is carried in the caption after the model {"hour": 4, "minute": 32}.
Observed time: {"hour": 2, "minute": 40}
